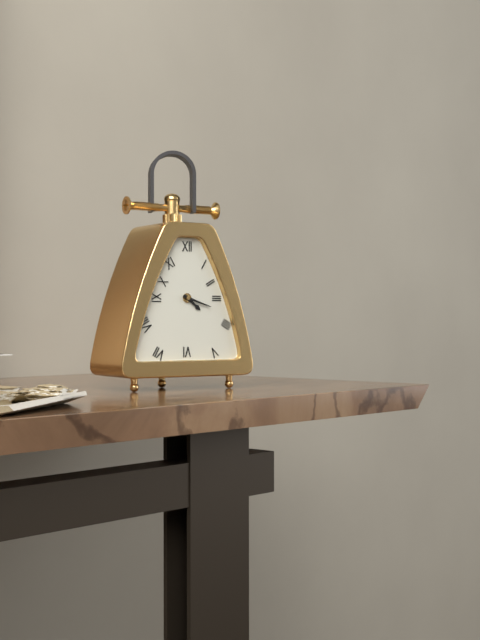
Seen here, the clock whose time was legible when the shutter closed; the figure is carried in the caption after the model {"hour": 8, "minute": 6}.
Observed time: {"hour": 4, "minute": 18}
